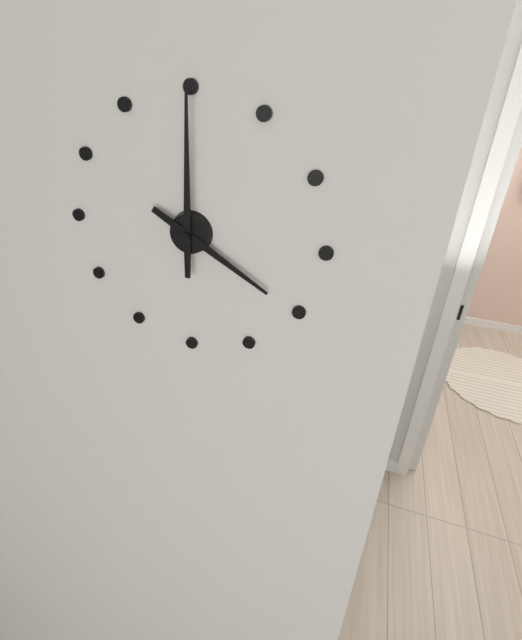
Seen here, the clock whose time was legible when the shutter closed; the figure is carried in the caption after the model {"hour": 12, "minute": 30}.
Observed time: {"hour": 4, "minute": 0}
